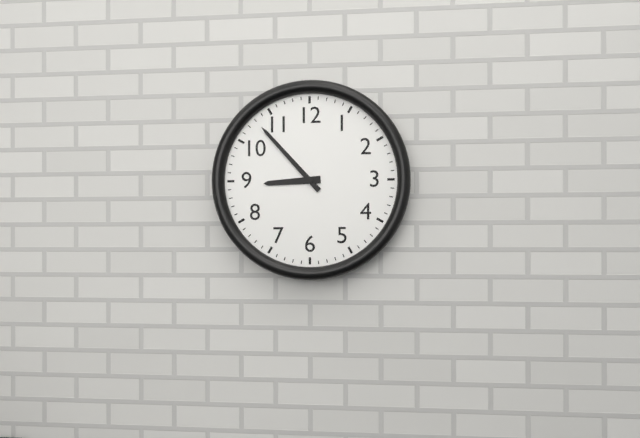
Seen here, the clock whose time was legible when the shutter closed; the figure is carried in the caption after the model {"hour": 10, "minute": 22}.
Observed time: {"hour": 8, "minute": 53}
